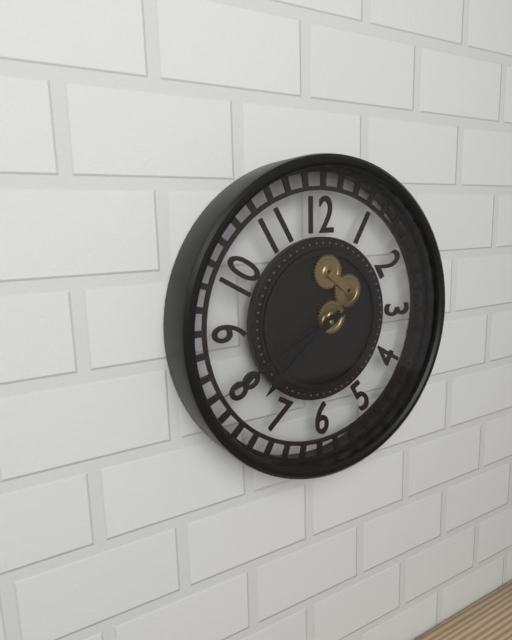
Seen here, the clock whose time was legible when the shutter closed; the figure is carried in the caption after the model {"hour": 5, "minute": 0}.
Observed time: {"hour": 7, "minute": 41}
